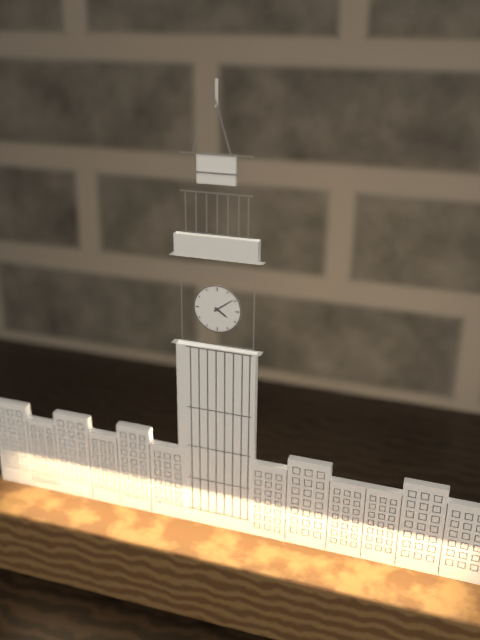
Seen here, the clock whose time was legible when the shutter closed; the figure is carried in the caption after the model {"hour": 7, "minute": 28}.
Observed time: {"hour": 4, "minute": 9}
